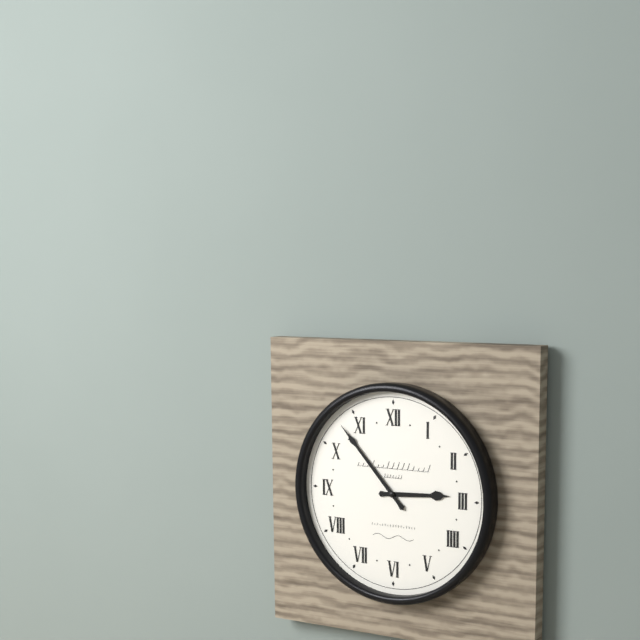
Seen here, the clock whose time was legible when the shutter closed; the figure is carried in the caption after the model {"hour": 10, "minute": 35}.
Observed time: {"hour": 2, "minute": 53}
